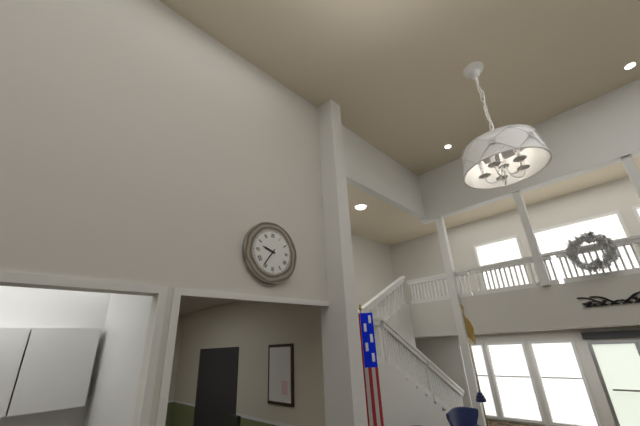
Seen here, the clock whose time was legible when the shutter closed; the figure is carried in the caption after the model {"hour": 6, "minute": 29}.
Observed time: {"hour": 9, "minute": 36}
